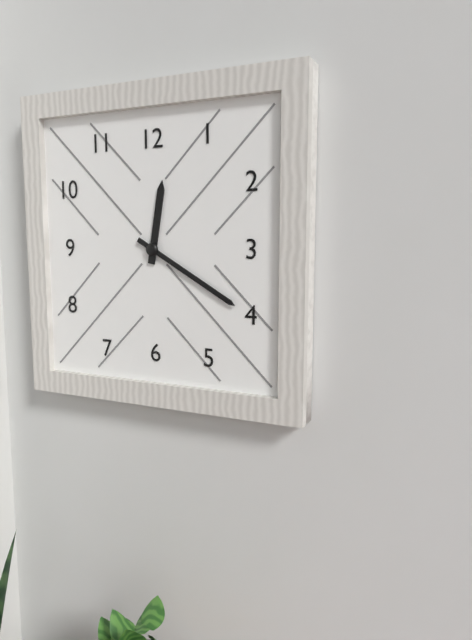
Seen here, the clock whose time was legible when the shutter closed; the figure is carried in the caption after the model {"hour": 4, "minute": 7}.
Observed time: {"hour": 12, "minute": 20}
